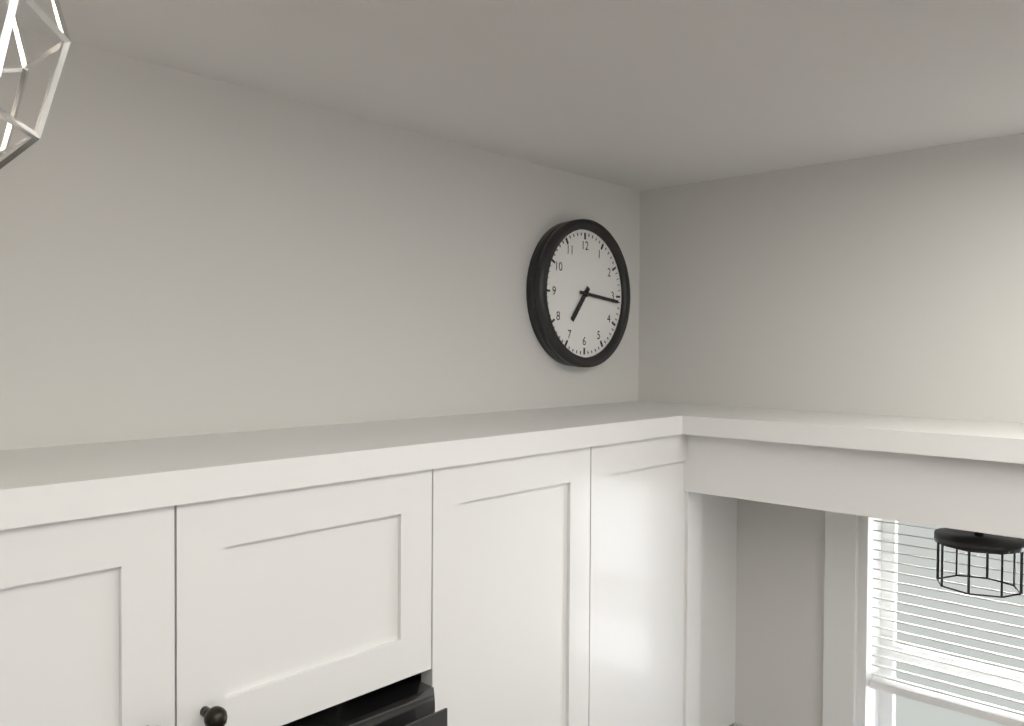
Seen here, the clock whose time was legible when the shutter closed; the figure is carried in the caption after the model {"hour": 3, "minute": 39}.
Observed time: {"hour": 7, "minute": 16}
